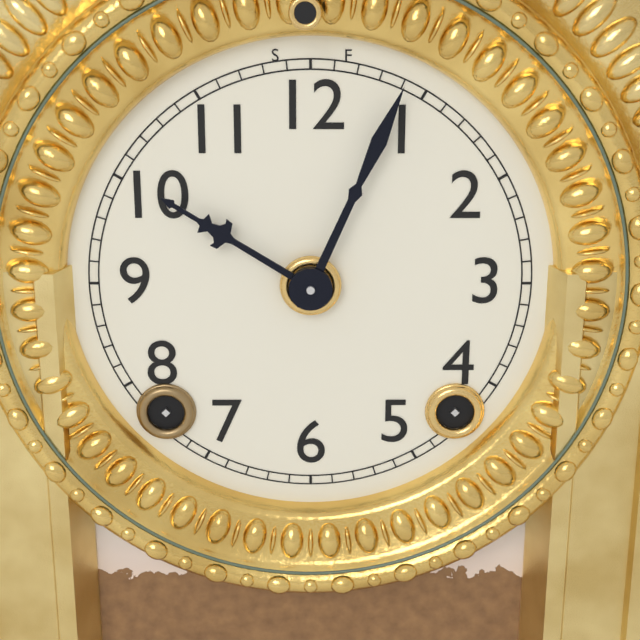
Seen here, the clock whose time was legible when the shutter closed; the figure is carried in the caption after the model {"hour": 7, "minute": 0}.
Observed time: {"hour": 10, "minute": 4}
